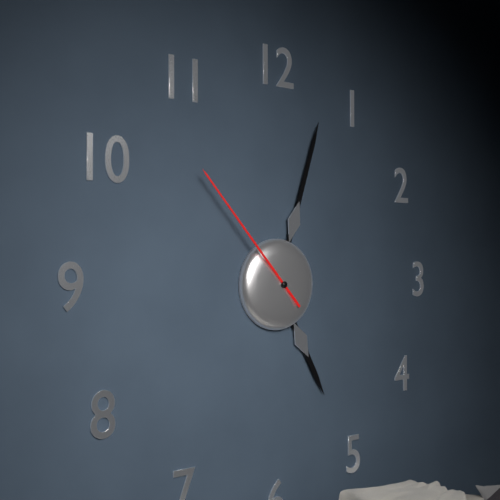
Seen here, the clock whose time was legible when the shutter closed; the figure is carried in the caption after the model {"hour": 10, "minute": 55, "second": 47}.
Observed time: {"hour": 5, "minute": 3, "second": 53}
